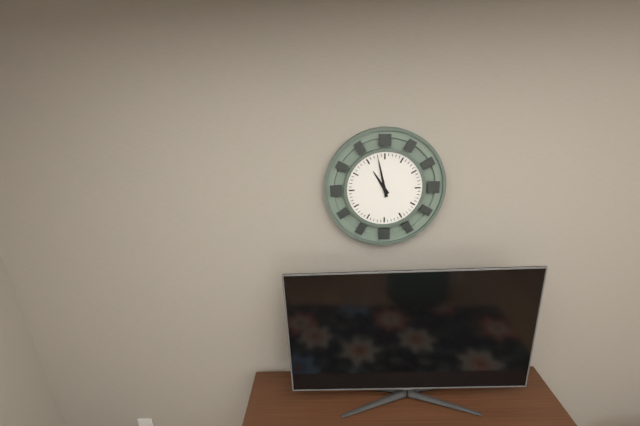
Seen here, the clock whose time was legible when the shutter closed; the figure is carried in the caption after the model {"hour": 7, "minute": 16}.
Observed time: {"hour": 10, "minute": 58}
